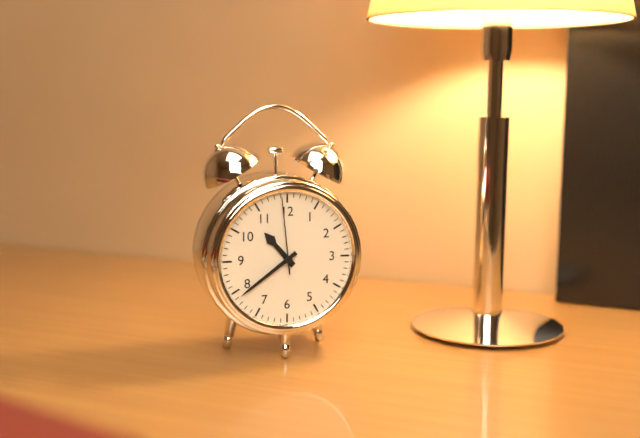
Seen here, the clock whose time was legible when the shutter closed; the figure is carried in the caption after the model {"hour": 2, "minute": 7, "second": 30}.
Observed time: {"hour": 10, "minute": 39, "second": 59}
